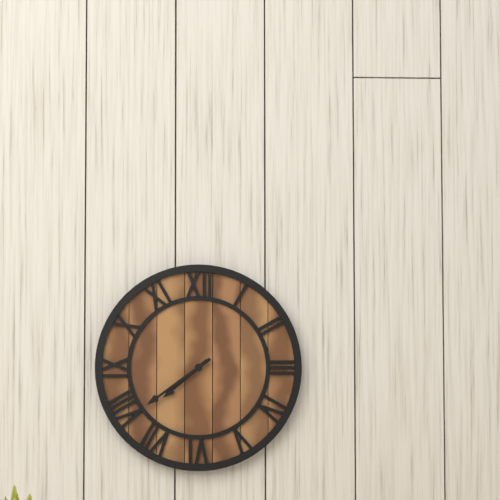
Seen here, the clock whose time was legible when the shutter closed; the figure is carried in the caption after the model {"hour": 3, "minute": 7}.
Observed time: {"hour": 7, "minute": 39}
